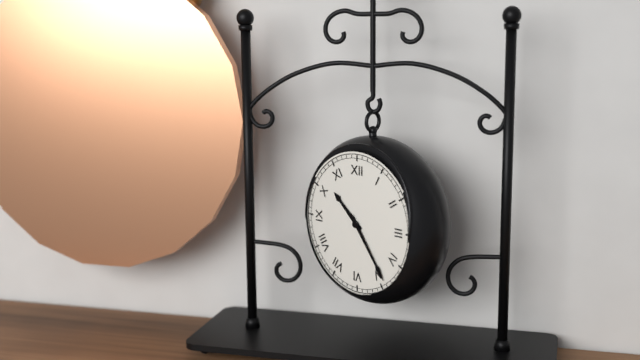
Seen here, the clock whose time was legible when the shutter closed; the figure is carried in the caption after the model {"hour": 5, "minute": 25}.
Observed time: {"hour": 10, "minute": 24}
